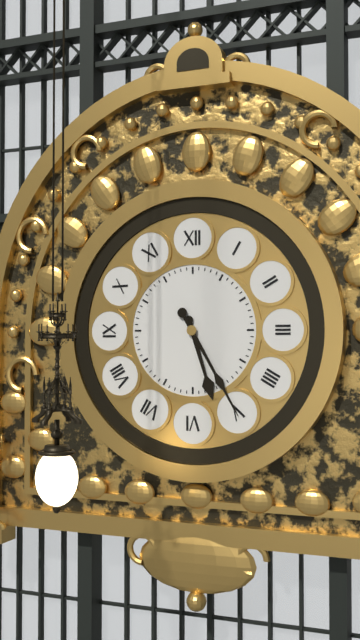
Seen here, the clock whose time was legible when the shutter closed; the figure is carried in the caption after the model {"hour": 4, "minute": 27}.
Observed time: {"hour": 5, "minute": 25}
